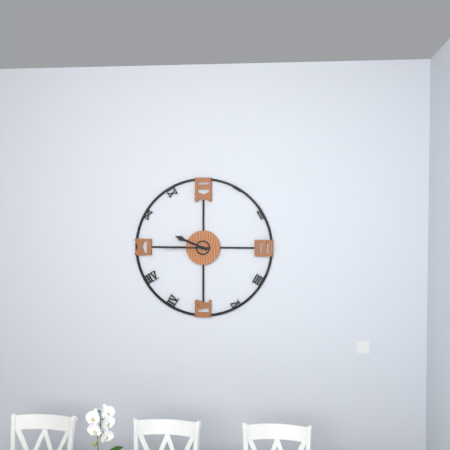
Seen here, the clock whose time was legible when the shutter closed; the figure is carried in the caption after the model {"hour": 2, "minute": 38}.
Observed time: {"hour": 9, "minute": 45}
